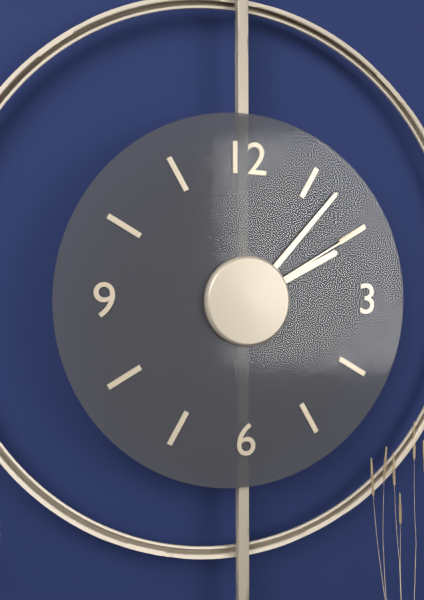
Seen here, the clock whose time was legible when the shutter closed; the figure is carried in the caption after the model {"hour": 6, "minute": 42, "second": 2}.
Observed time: {"hour": 2, "minute": 7, "second": 10}
